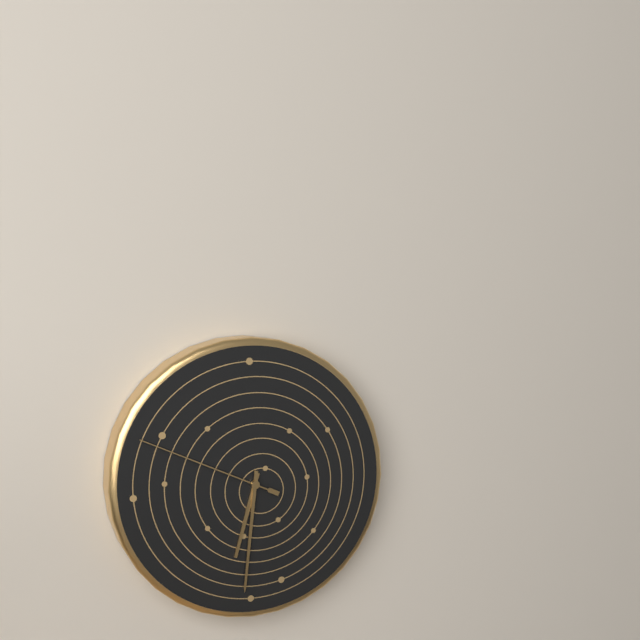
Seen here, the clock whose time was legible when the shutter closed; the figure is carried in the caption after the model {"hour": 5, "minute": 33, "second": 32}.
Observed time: {"hour": 6, "minute": 31, "second": 49}
